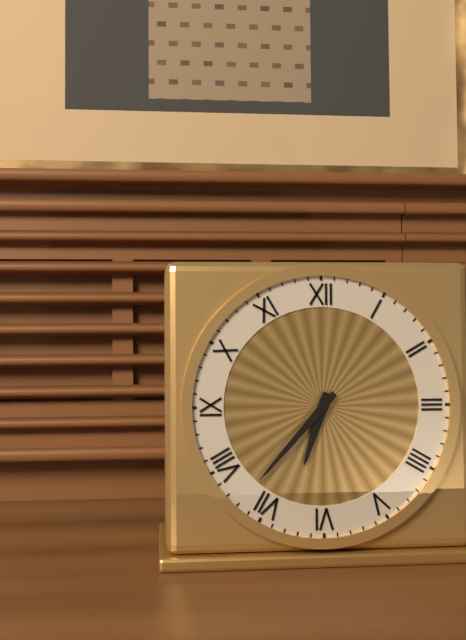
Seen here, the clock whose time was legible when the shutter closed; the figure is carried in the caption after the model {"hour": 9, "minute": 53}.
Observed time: {"hour": 6, "minute": 37}
